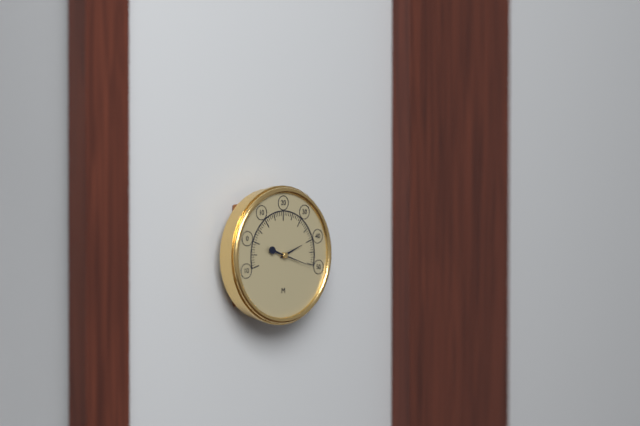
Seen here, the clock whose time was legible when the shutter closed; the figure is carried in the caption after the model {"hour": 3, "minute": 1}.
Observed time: {"hour": 2, "minute": 18}
